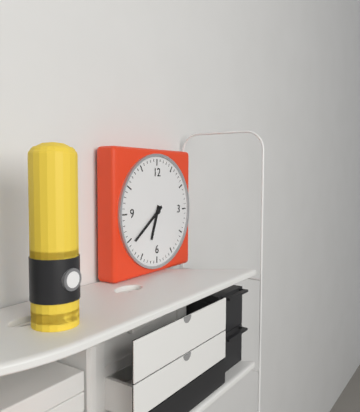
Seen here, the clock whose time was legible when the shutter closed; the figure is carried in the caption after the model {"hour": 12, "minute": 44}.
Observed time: {"hour": 6, "minute": 39}
